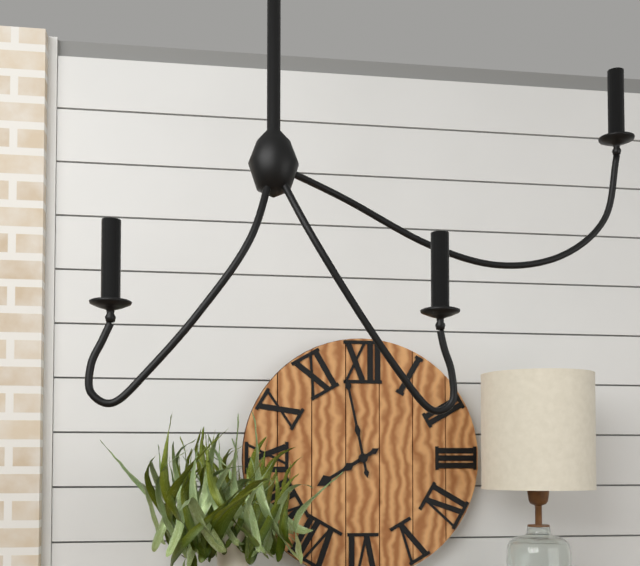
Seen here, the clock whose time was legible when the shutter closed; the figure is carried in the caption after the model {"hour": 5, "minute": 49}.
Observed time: {"hour": 7, "minute": 58}
